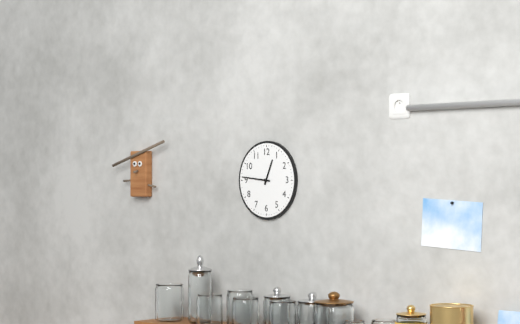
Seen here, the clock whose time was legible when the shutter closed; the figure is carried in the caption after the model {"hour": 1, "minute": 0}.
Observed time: {"hour": 12, "minute": 46}
